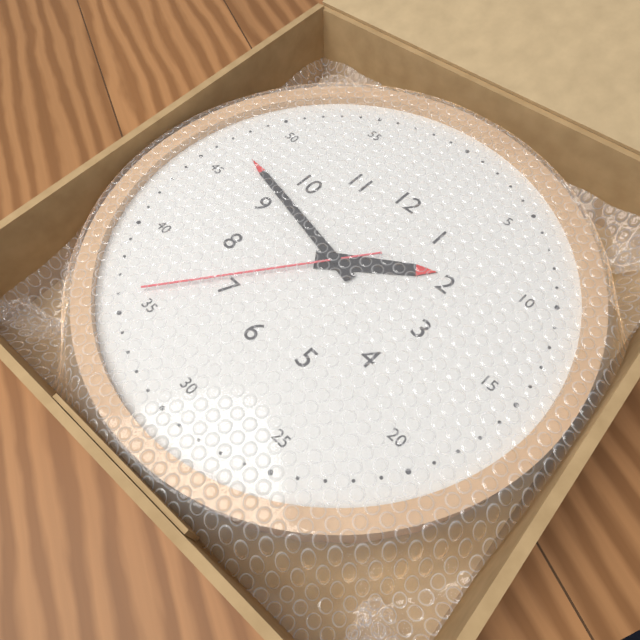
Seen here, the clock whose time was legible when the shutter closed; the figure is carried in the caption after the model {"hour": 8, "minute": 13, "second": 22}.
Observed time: {"hour": 1, "minute": 47, "second": 36}
